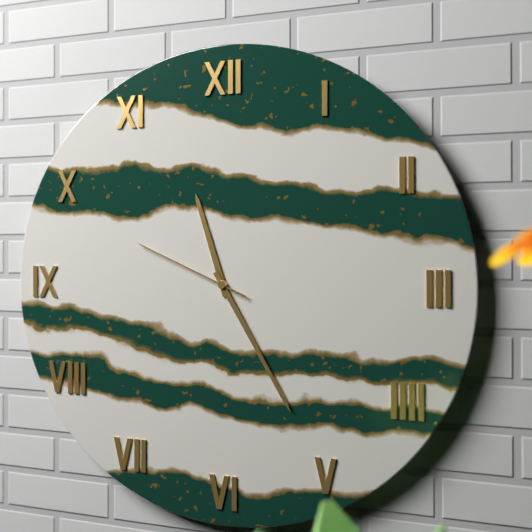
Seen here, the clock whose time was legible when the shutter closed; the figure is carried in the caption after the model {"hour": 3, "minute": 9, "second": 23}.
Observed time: {"hour": 11, "minute": 25, "second": 49}
